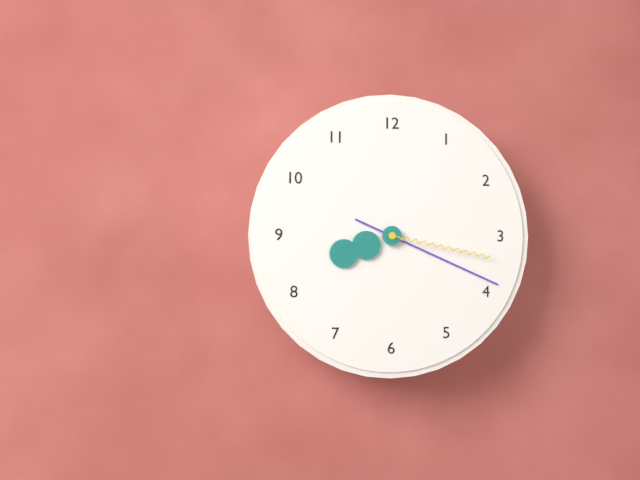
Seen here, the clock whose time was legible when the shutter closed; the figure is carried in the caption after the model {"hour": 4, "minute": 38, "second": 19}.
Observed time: {"hour": 8, "minute": 19, "second": 17}
